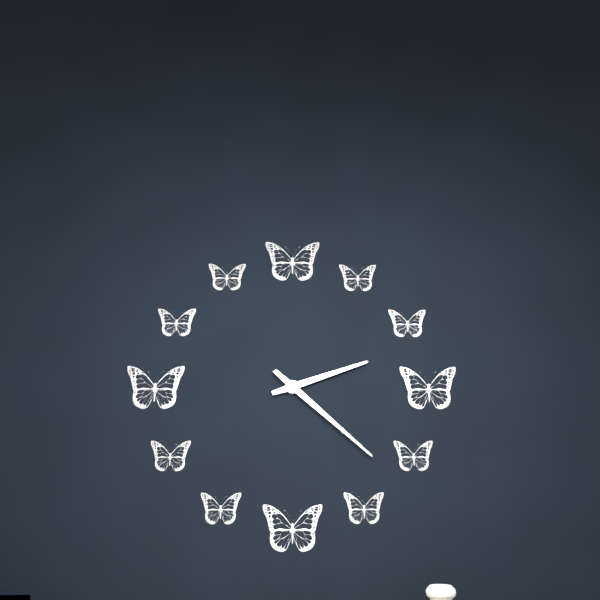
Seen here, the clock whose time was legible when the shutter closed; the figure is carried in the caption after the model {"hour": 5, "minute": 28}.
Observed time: {"hour": 2, "minute": 22}
